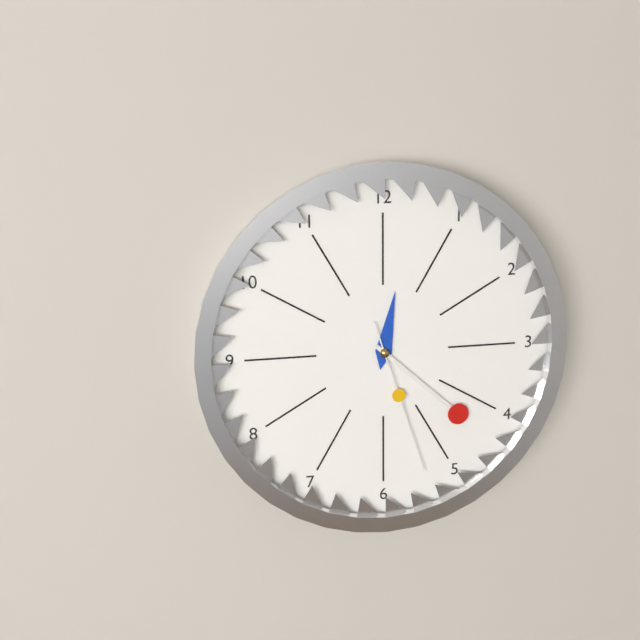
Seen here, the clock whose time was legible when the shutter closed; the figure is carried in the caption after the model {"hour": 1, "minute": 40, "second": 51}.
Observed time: {"hour": 12, "minute": 22, "second": 27}
